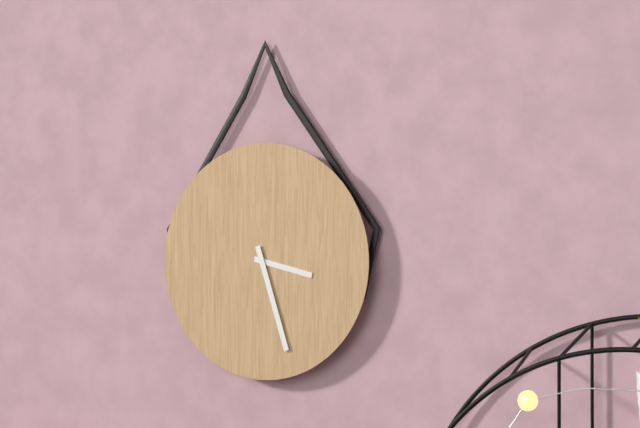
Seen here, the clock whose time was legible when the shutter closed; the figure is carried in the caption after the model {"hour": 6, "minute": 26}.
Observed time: {"hour": 3, "minute": 27}
